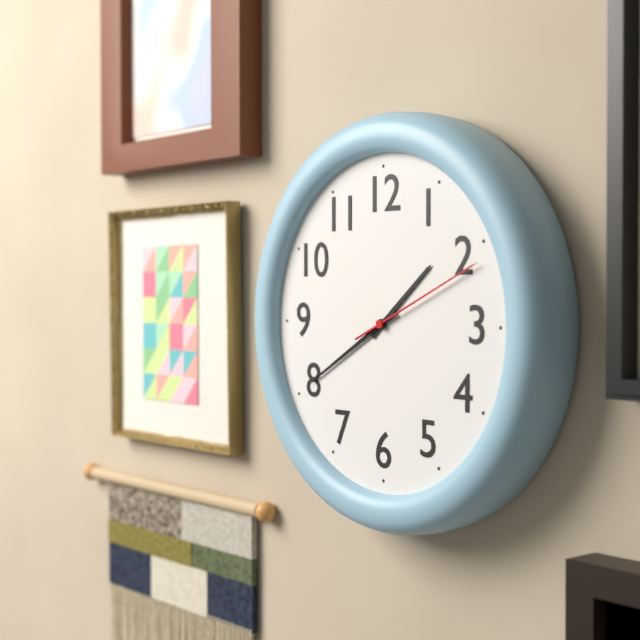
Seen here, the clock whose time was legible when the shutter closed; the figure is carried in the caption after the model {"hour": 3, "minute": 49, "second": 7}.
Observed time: {"hour": 1, "minute": 40, "second": 11}
